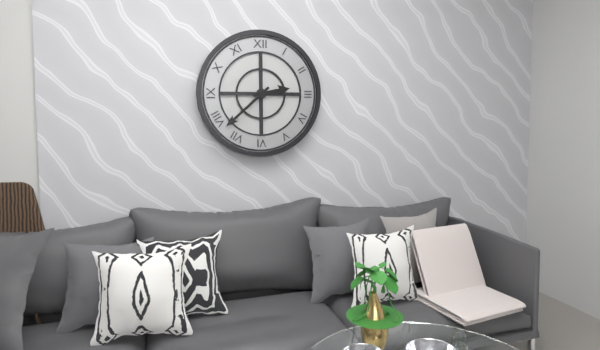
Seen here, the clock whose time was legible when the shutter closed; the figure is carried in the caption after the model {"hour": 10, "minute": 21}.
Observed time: {"hour": 2, "minute": 38}
